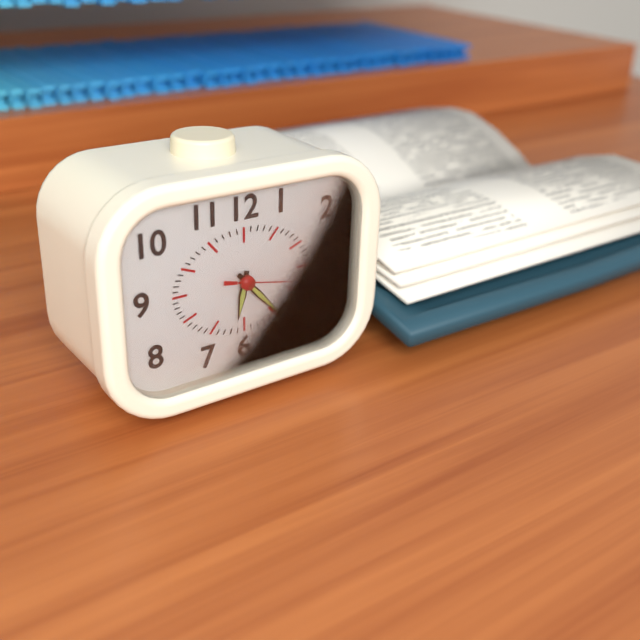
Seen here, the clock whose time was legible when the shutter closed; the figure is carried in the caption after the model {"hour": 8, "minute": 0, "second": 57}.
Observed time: {"hour": 6, "minute": 23, "second": 17}
